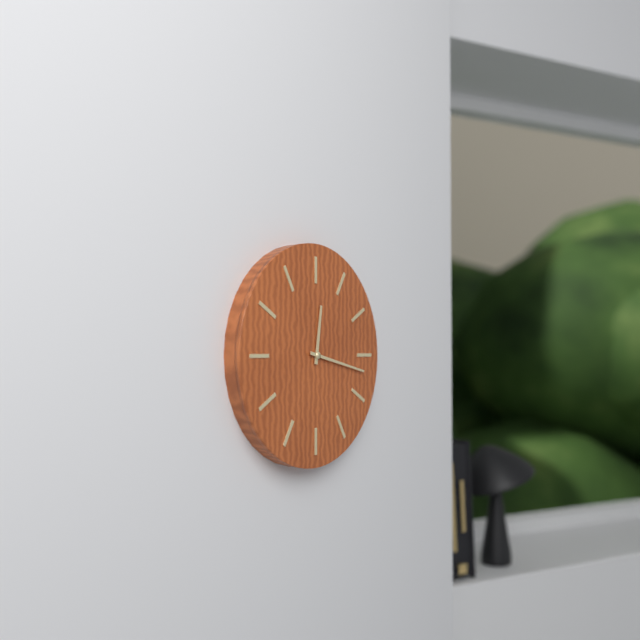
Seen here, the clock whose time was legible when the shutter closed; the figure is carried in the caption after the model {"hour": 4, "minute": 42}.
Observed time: {"hour": 12, "minute": 17}
